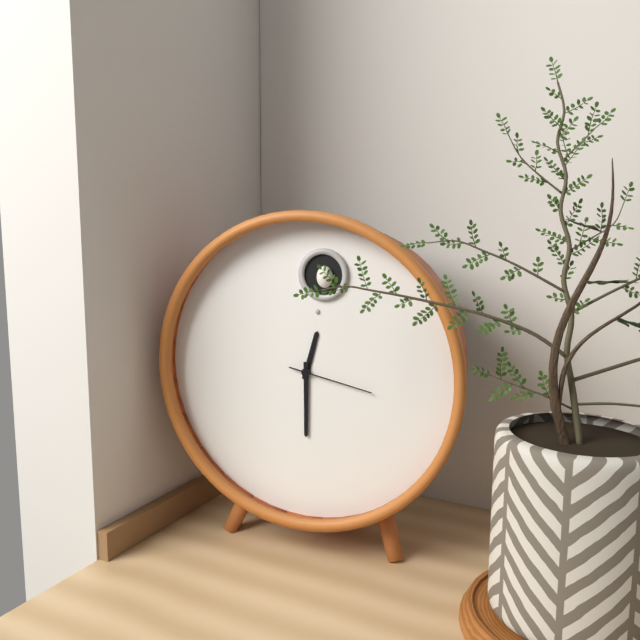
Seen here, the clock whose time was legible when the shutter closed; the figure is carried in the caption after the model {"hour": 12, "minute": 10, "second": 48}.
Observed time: {"hour": 12, "minute": 30, "second": 17}
